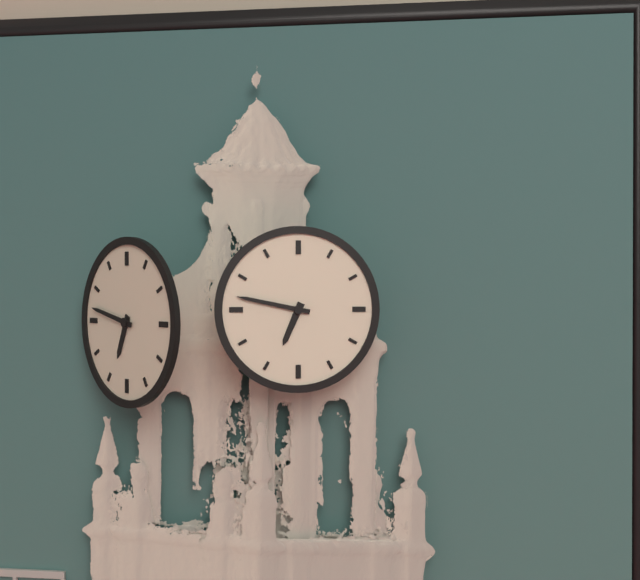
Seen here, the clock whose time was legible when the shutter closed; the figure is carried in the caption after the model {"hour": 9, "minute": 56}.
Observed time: {"hour": 6, "minute": 47}
